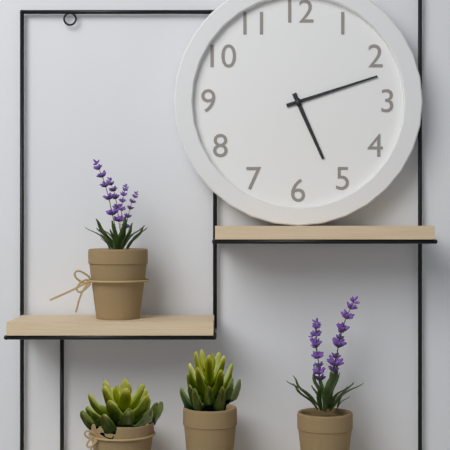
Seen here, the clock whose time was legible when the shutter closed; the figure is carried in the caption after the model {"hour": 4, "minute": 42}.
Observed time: {"hour": 5, "minute": 12}
